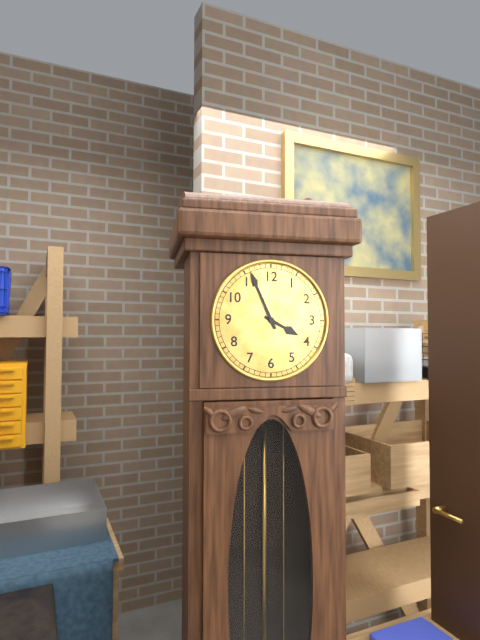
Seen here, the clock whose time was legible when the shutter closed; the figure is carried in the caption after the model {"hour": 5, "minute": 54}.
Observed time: {"hour": 3, "minute": 56}
